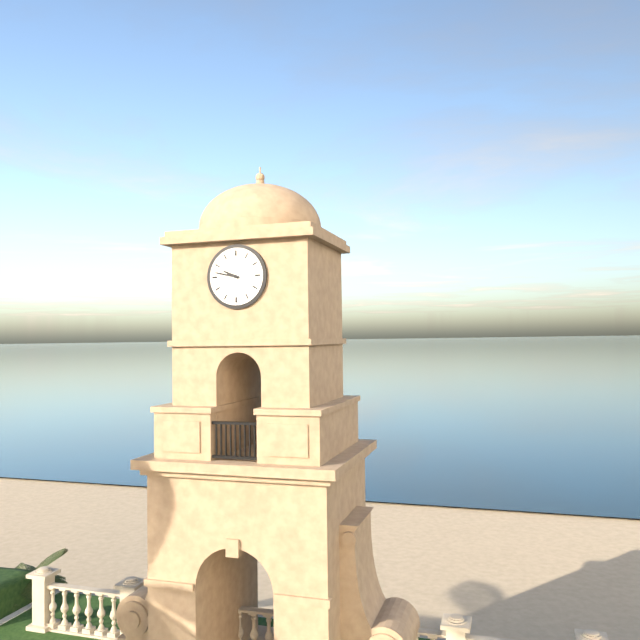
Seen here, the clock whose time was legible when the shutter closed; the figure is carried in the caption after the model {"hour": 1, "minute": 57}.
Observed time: {"hour": 9, "minute": 47}
